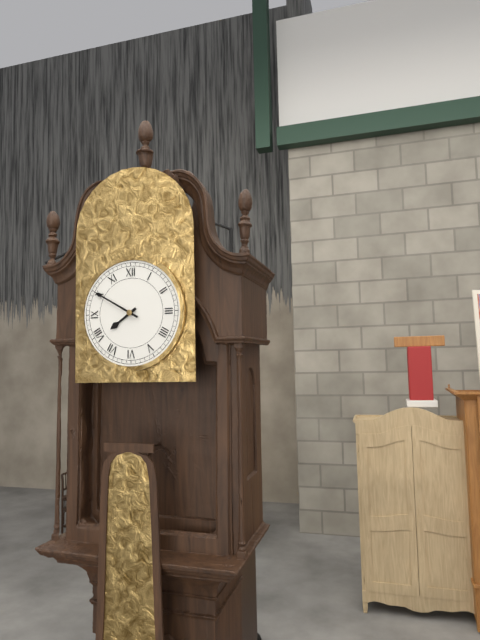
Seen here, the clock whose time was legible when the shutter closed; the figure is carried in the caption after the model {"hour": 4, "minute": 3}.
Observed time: {"hour": 7, "minute": 50}
